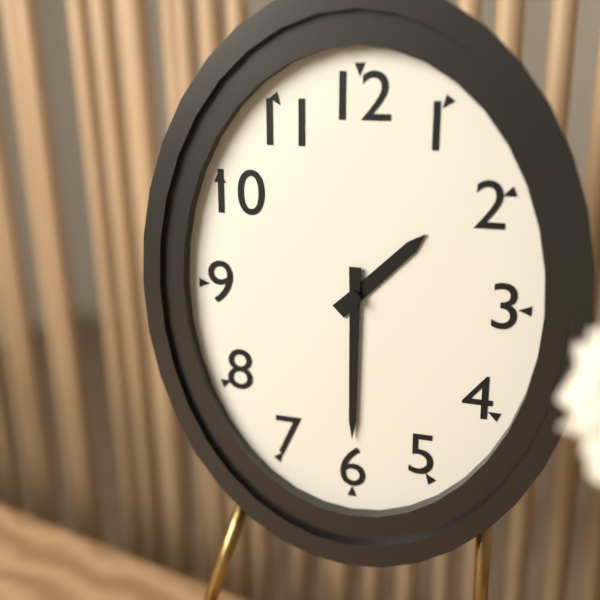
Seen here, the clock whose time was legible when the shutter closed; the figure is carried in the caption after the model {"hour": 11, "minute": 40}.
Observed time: {"hour": 1, "minute": 30}
